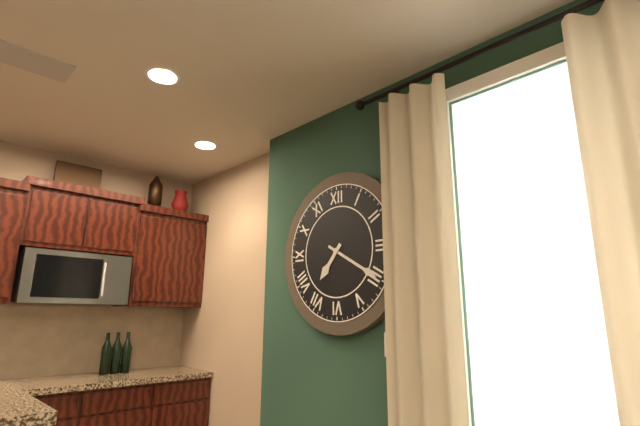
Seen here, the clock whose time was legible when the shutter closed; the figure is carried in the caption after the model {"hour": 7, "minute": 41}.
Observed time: {"hour": 7, "minute": 20}
